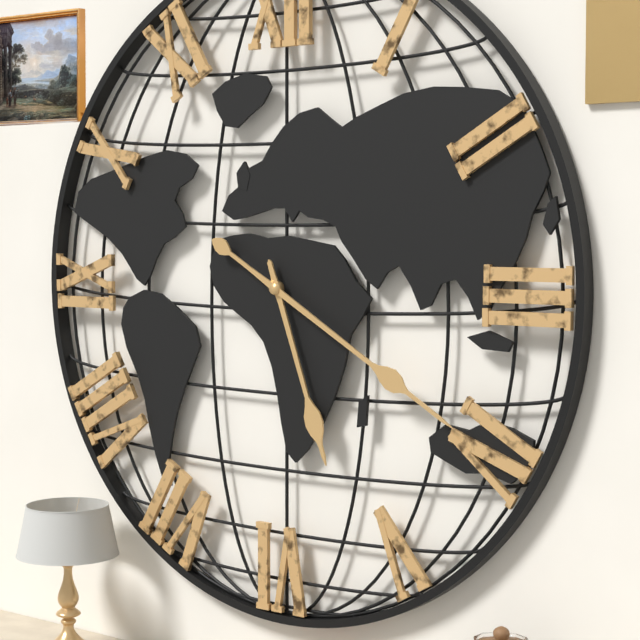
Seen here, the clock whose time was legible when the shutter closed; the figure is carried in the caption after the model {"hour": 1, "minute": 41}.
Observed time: {"hour": 5, "minute": 20}
